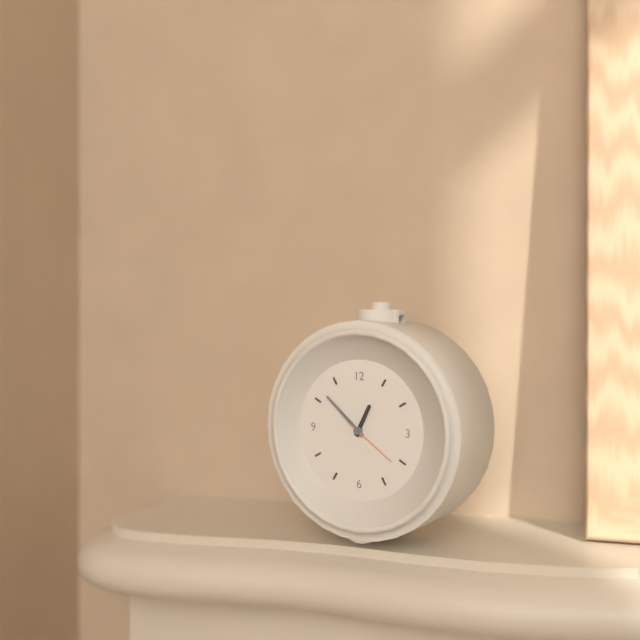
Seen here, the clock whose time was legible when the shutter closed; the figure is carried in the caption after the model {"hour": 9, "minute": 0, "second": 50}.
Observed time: {"hour": 12, "minute": 52, "second": 21}
